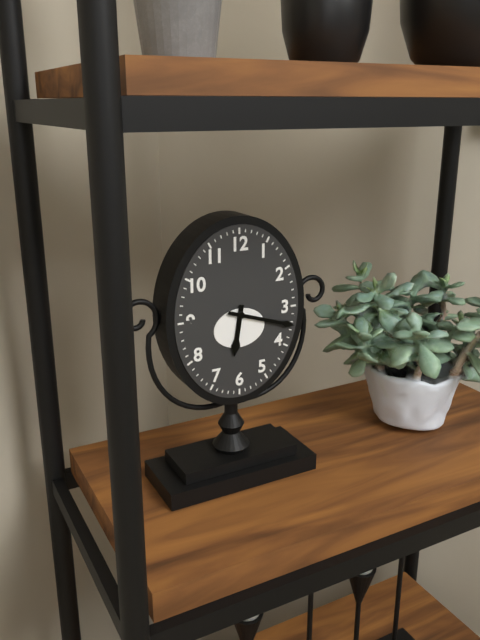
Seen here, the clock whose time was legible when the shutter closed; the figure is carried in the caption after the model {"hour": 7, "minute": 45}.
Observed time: {"hour": 6, "minute": 18}
